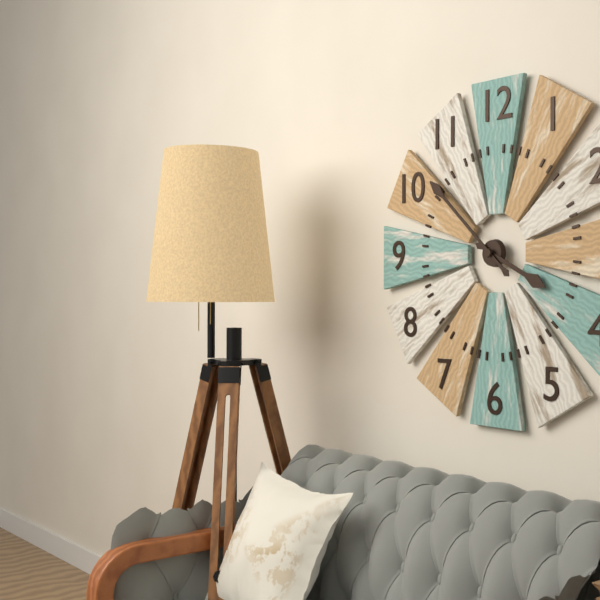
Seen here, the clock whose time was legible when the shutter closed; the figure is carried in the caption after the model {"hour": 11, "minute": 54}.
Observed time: {"hour": 3, "minute": 52}
